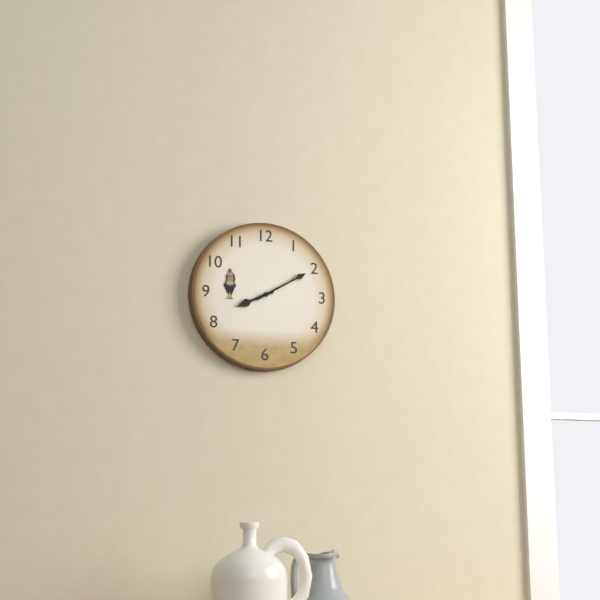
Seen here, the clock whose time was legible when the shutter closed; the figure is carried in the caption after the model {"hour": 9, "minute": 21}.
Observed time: {"hour": 8, "minute": 10}
